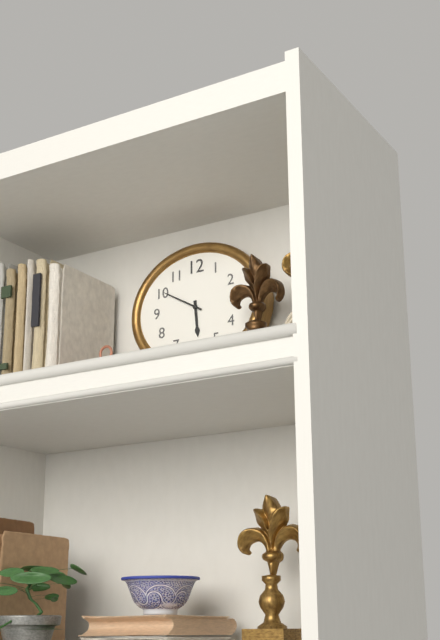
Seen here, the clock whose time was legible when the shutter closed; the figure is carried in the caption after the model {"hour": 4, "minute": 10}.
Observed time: {"hour": 5, "minute": 50}
